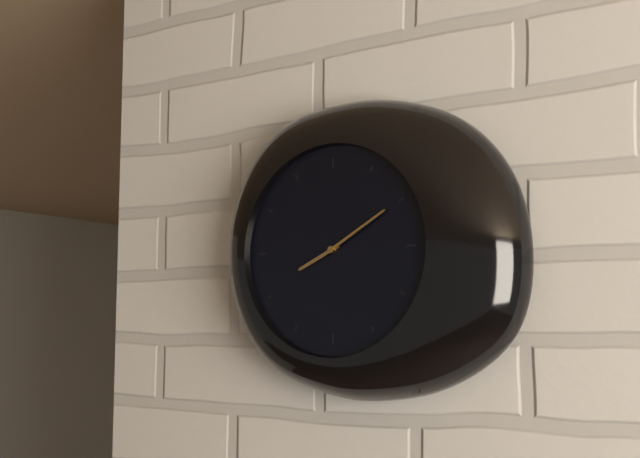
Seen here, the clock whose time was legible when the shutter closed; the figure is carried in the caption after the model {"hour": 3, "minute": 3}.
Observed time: {"hour": 8, "minute": 10}
